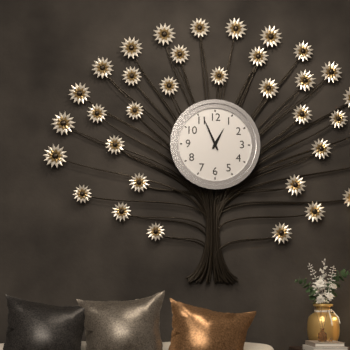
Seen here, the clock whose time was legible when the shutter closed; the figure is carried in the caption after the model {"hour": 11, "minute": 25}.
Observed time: {"hour": 12, "minute": 56}
